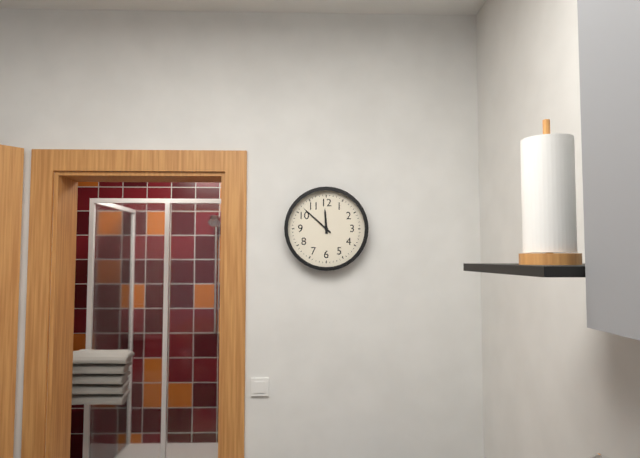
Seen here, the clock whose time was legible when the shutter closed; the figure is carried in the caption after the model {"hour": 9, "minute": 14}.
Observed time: {"hour": 11, "minute": 52}
